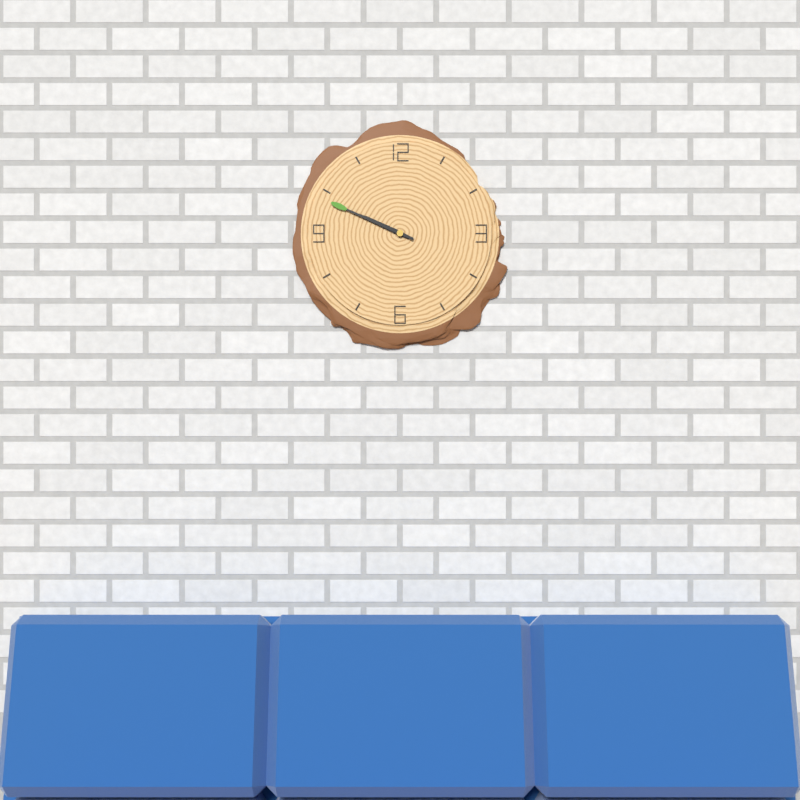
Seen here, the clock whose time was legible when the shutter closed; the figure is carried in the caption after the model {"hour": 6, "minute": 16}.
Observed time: {"hour": 9, "minute": 49}
